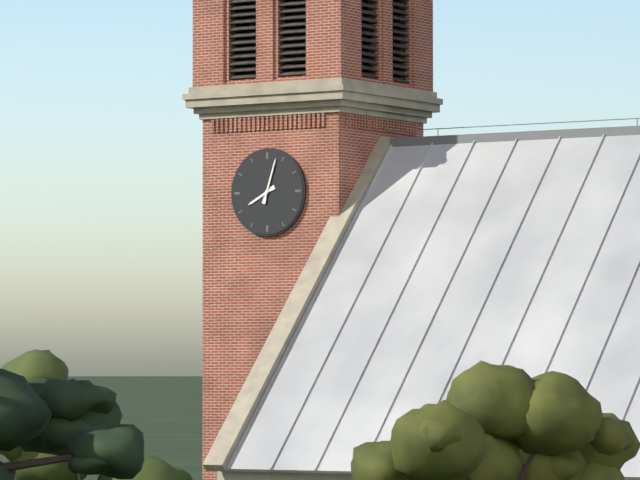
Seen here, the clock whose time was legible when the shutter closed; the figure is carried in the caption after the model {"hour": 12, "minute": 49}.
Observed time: {"hour": 8, "minute": 3}
